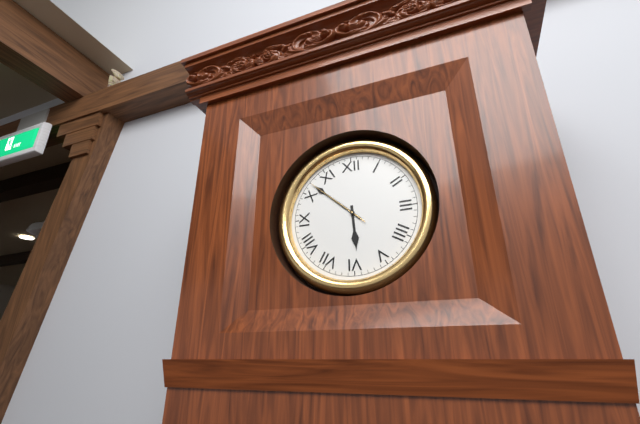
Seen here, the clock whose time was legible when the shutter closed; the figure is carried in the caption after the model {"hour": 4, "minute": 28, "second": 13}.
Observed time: {"hour": 5, "minute": 52, "second": 52}
